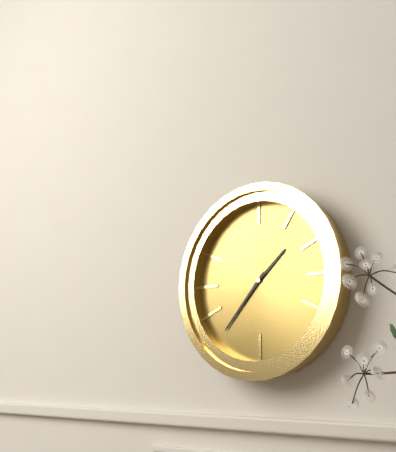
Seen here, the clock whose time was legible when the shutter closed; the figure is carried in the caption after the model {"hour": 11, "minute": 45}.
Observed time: {"hour": 1, "minute": 37}
